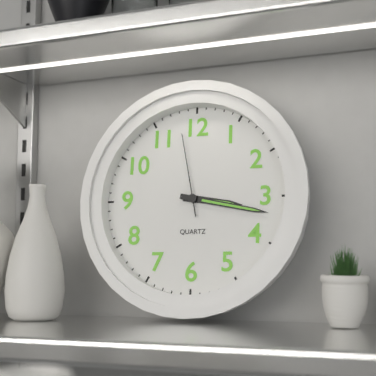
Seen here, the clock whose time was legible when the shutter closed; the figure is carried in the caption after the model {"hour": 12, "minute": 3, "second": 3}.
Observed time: {"hour": 3, "minute": 17, "second": 58}
